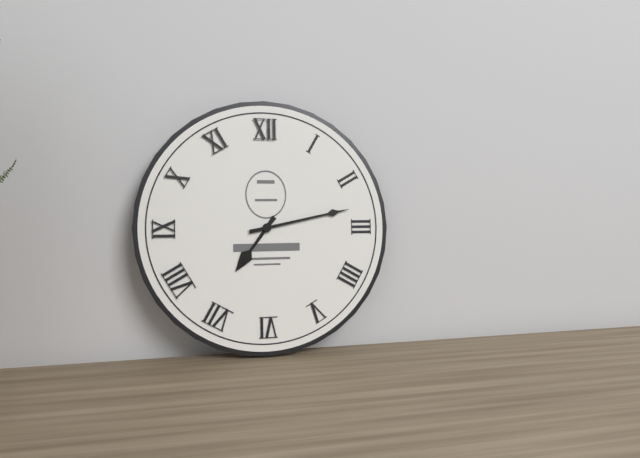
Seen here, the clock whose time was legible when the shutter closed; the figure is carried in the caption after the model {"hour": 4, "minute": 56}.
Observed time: {"hour": 7, "minute": 13}
